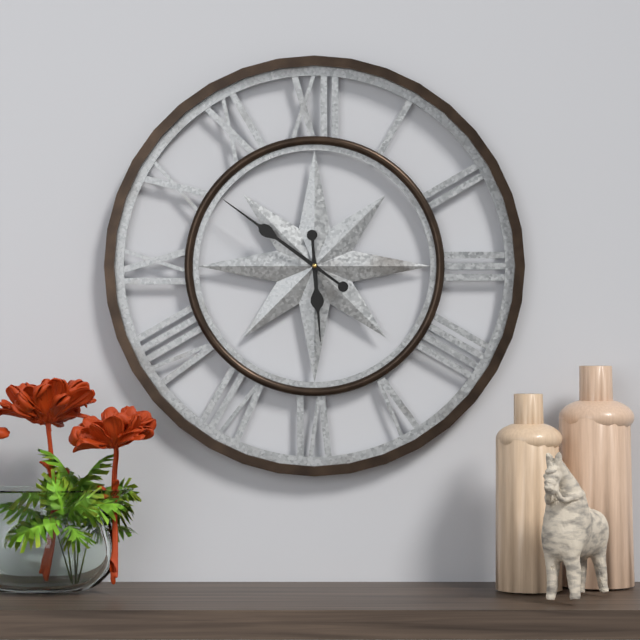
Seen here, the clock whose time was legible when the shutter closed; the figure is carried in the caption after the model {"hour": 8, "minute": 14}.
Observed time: {"hour": 5, "minute": 51}
